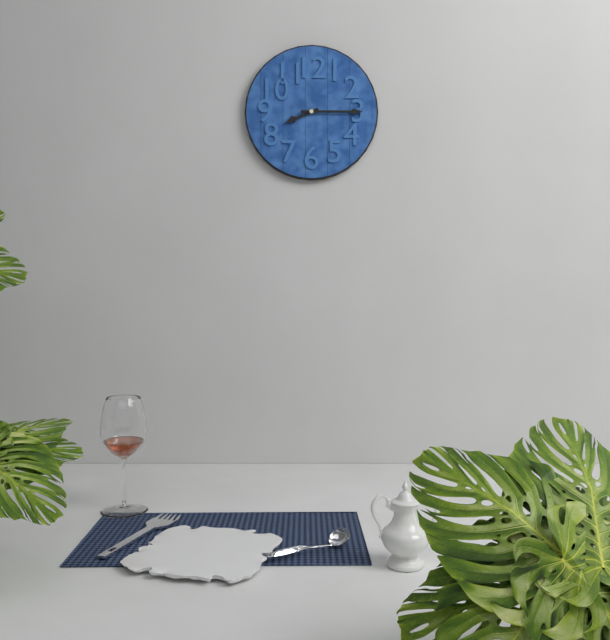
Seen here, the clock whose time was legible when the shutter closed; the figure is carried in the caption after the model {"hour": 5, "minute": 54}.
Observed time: {"hour": 8, "minute": 15}
